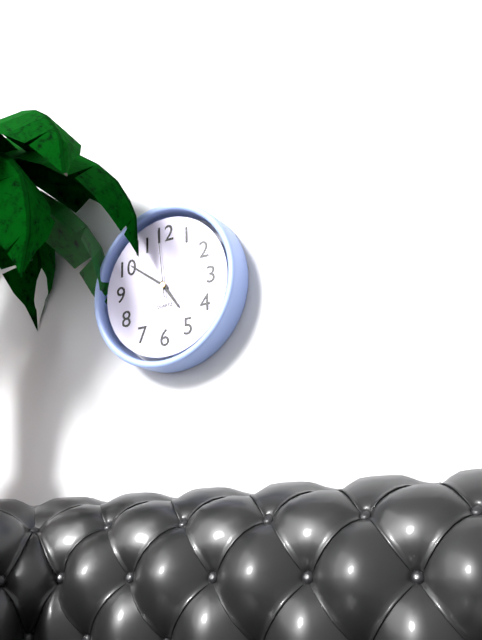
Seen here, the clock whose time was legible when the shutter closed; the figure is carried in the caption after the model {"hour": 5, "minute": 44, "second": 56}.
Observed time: {"hour": 4, "minute": 51, "second": 59}
